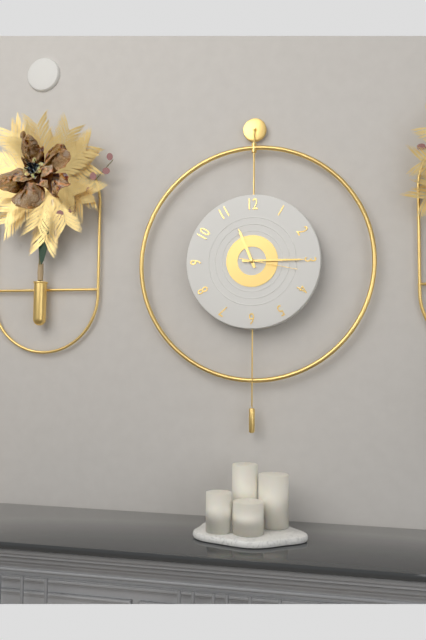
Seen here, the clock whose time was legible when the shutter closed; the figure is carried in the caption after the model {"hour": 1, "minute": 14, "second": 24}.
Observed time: {"hour": 11, "minute": 15, "second": 17}
